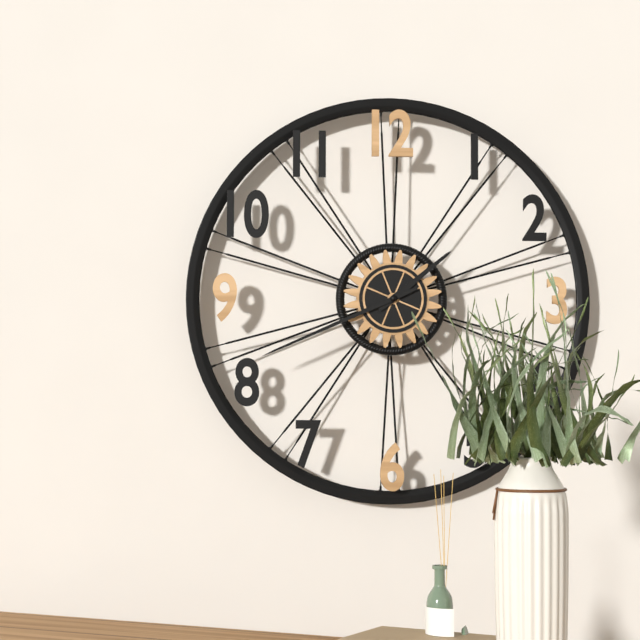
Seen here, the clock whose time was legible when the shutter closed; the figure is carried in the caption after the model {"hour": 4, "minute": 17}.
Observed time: {"hour": 1, "minute": 41}
